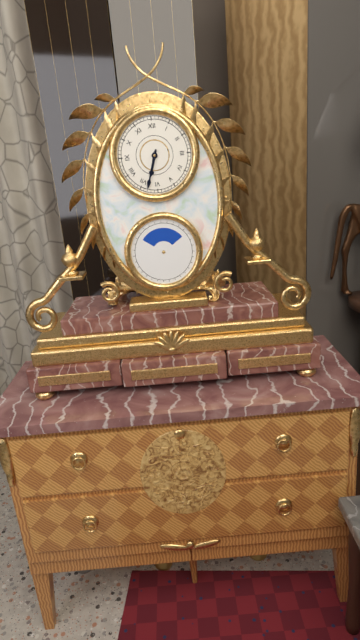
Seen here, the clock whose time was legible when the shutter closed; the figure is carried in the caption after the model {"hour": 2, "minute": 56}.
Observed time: {"hour": 6, "minute": 33}
